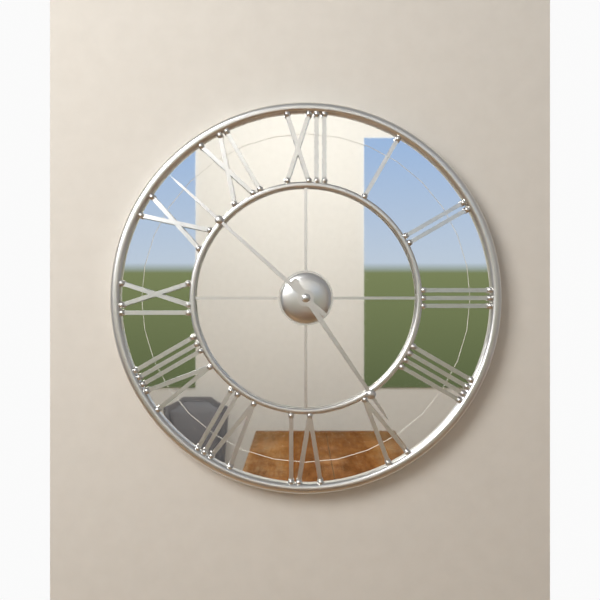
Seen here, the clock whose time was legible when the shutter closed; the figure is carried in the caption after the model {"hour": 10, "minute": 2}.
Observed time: {"hour": 4, "minute": 52}
